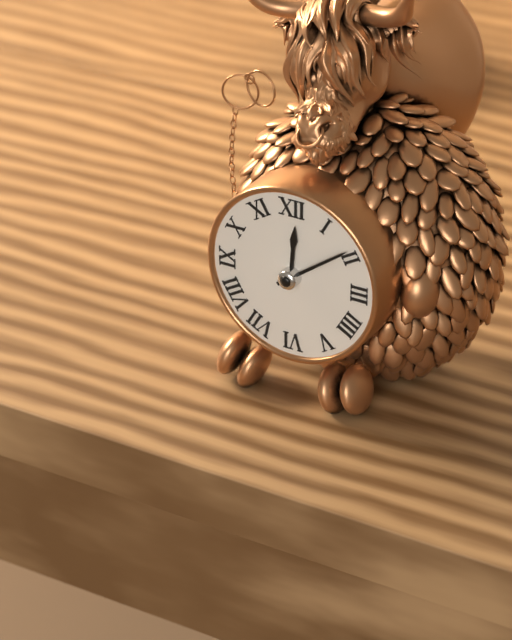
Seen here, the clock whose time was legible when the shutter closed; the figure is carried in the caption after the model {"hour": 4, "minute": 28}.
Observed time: {"hour": 12, "minute": 9}
